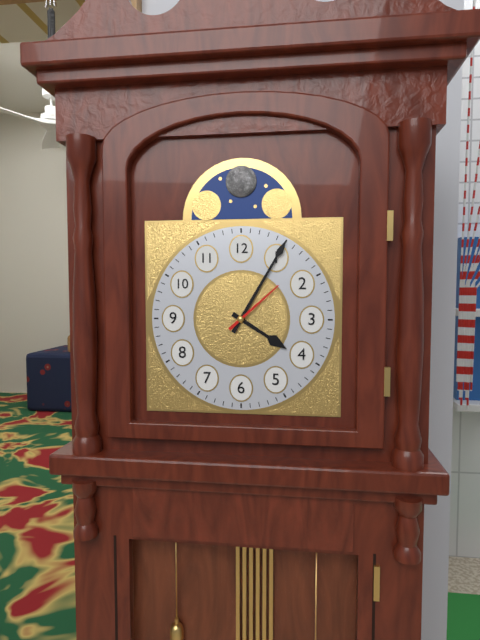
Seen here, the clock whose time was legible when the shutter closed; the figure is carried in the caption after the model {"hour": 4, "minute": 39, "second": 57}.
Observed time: {"hour": 4, "minute": 5, "second": 8}
